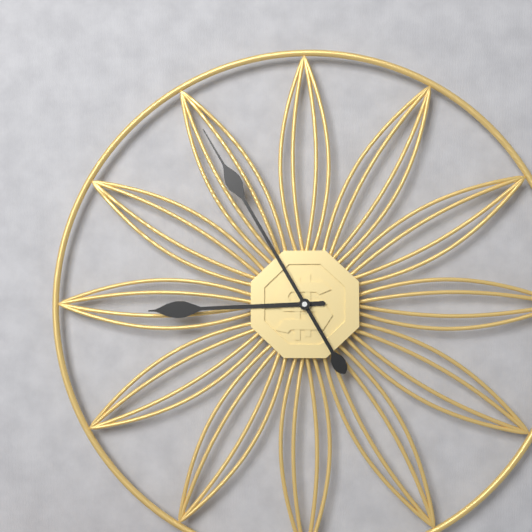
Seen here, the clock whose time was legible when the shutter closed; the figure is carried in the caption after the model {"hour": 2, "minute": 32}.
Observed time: {"hour": 8, "minute": 55}
